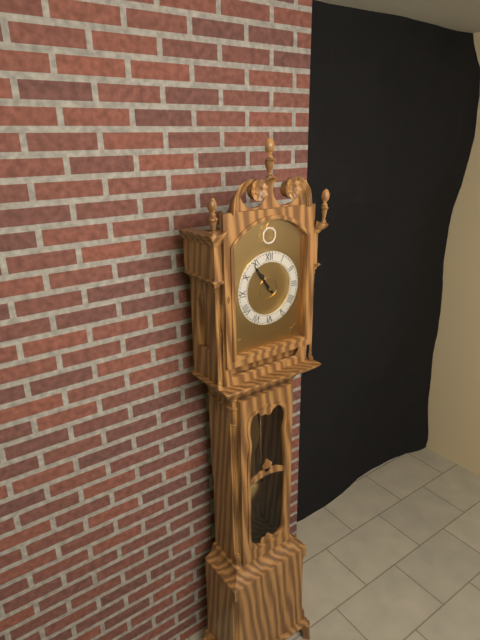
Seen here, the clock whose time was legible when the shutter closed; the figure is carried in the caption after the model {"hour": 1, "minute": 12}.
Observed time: {"hour": 10, "minute": 54}
